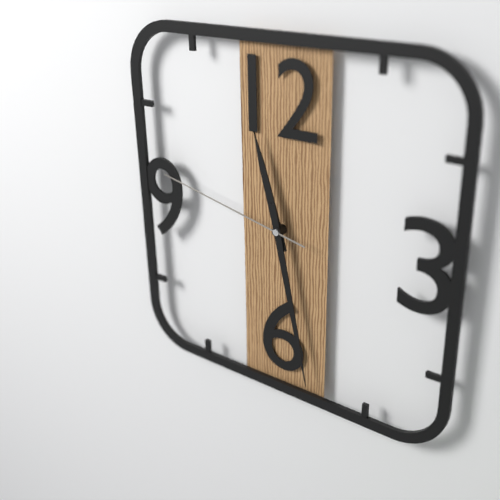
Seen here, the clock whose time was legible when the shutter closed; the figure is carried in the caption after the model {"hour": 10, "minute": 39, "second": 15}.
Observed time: {"hour": 11, "minute": 28, "second": 47}
